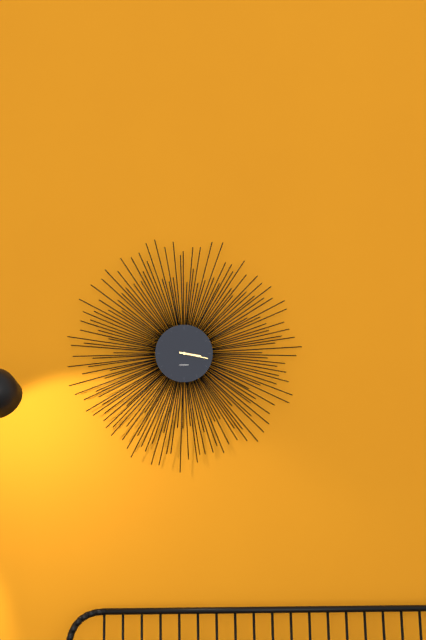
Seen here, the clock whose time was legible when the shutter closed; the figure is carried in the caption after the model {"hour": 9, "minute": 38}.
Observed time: {"hour": 3, "minute": 17}
